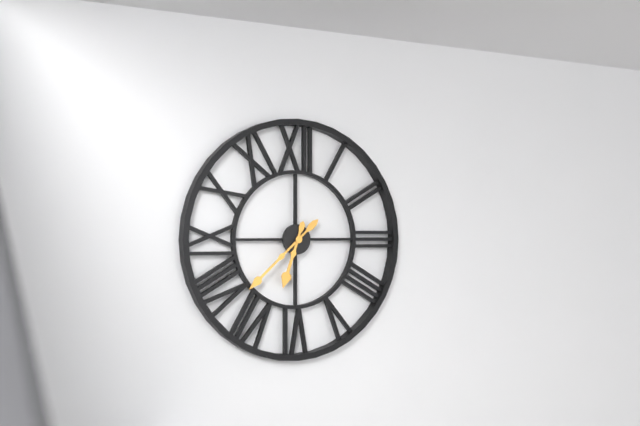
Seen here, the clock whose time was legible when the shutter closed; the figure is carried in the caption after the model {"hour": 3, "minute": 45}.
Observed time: {"hour": 6, "minute": 38}
